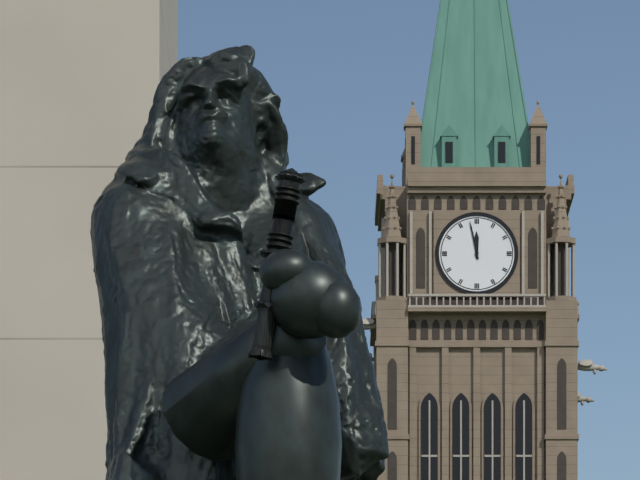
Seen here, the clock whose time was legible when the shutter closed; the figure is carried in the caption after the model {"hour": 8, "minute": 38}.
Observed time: {"hour": 11, "minute": 58}
